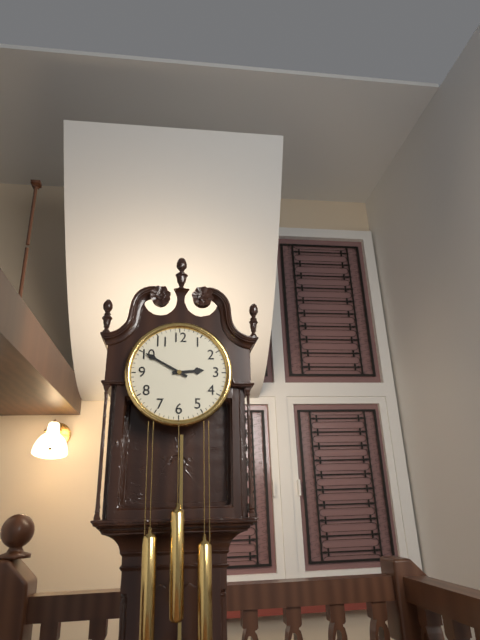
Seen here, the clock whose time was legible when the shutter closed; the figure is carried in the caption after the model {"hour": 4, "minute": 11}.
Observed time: {"hour": 2, "minute": 50}
